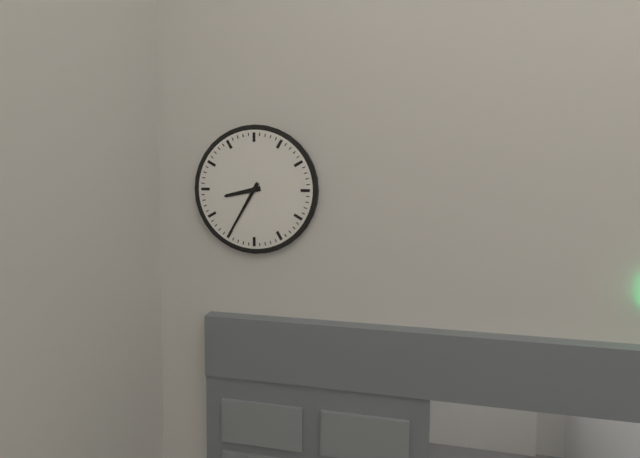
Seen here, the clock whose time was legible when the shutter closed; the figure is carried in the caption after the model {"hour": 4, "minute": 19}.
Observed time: {"hour": 8, "minute": 35}
